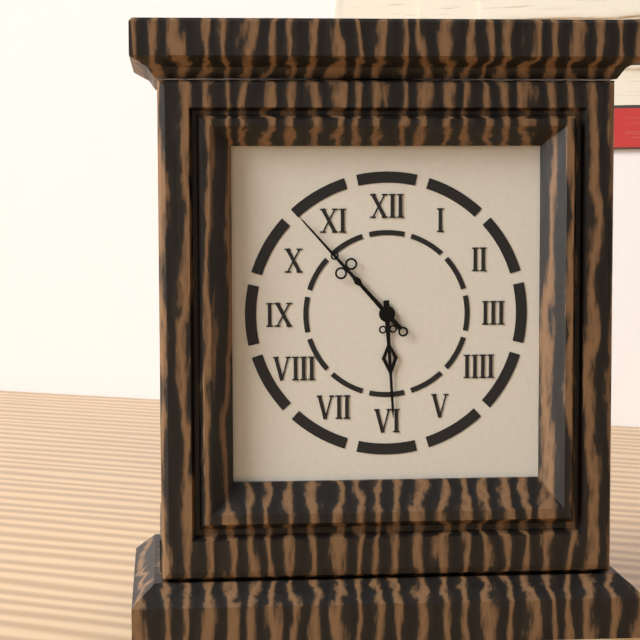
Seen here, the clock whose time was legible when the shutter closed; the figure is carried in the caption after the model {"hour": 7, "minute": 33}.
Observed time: {"hour": 5, "minute": 53}
